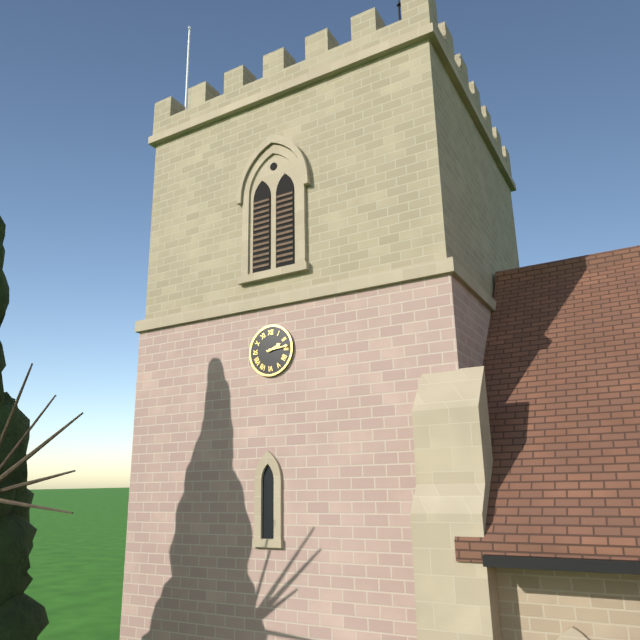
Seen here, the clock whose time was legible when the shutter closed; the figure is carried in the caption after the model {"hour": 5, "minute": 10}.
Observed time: {"hour": 2, "minute": 14}
